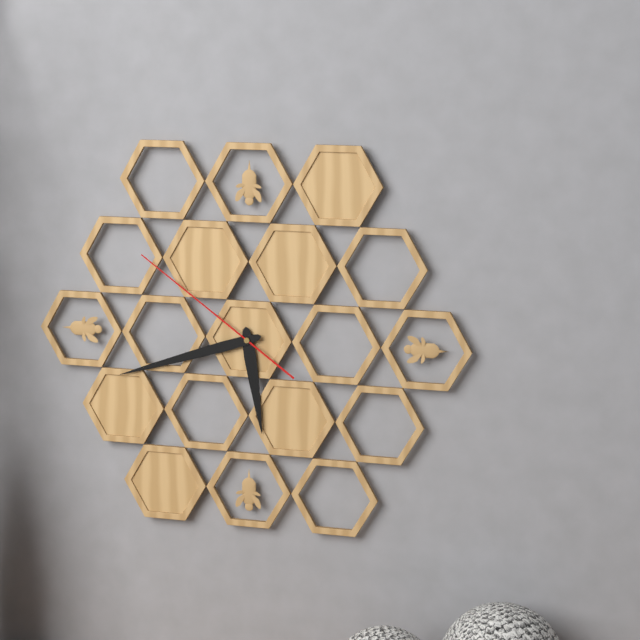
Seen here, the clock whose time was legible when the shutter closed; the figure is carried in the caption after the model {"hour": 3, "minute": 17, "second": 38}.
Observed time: {"hour": 5, "minute": 42, "second": 51}
